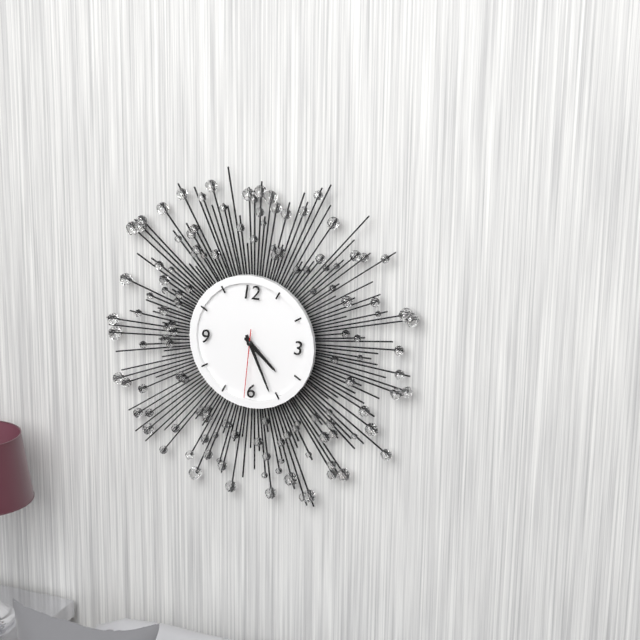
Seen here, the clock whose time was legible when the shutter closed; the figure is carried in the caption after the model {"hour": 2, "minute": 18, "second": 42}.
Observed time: {"hour": 4, "minute": 26, "second": 31}
